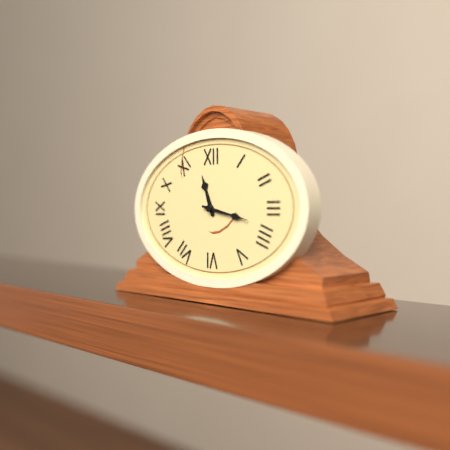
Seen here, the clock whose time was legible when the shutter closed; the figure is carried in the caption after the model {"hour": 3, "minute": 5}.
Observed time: {"hour": 11, "minute": 17}
